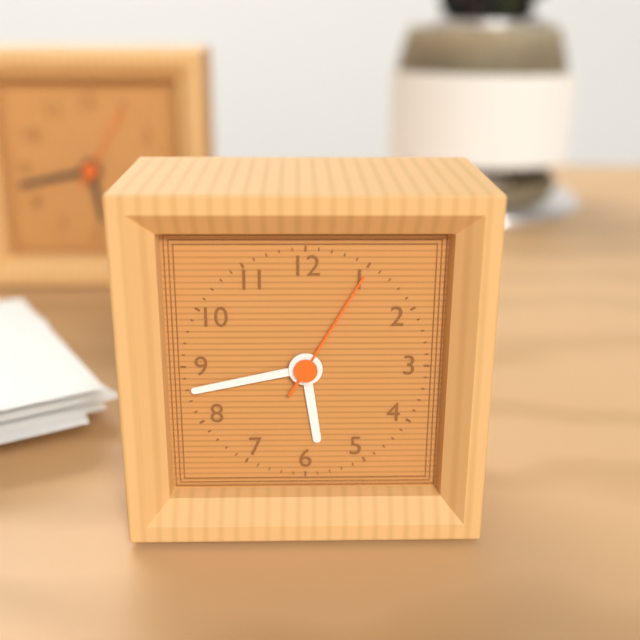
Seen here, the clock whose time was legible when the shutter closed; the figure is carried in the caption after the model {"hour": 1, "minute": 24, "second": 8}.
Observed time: {"hour": 5, "minute": 43, "second": 5}
